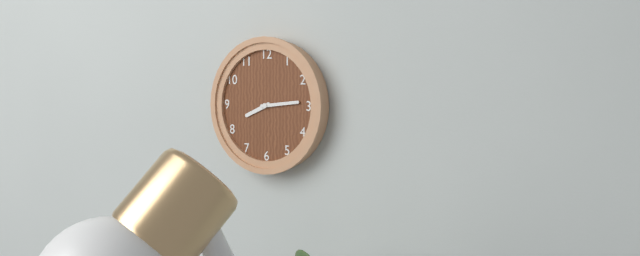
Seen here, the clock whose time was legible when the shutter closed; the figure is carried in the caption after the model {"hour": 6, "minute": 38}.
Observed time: {"hour": 8, "minute": 14}
